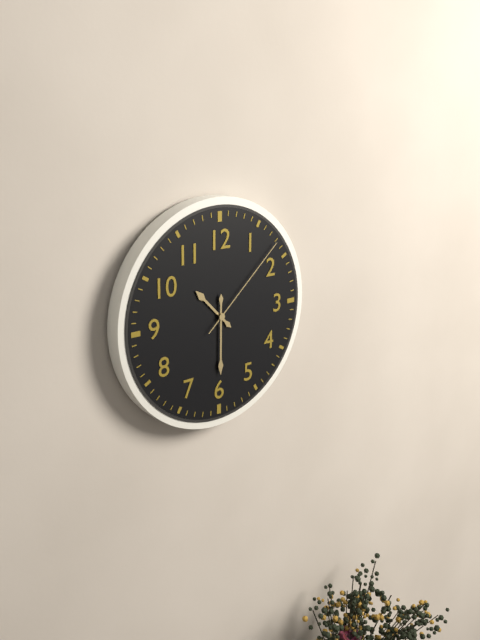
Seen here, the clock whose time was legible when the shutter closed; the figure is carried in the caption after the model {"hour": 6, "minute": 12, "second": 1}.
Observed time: {"hour": 10, "minute": 30, "second": 8}
